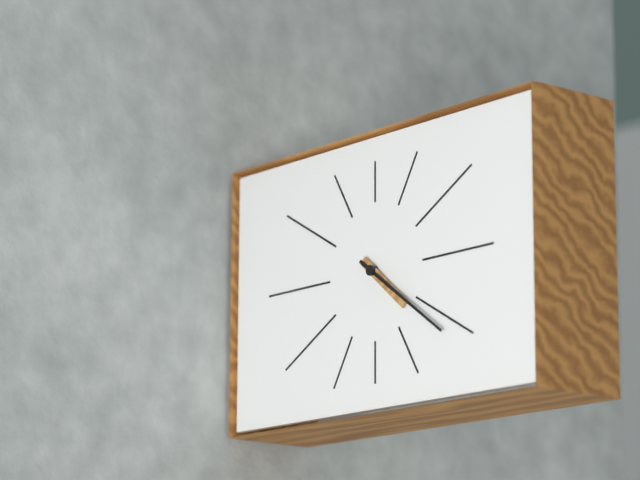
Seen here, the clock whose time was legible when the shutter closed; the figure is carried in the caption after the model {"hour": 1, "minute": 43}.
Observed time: {"hour": 4, "minute": 21}
